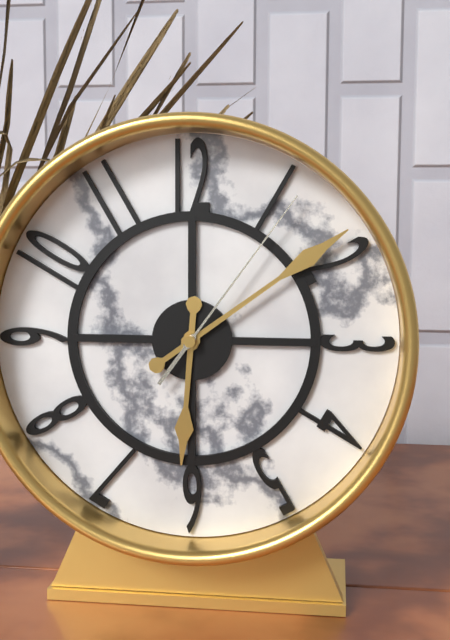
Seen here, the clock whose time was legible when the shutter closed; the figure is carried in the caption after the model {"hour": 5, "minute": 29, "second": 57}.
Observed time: {"hour": 6, "minute": 9, "second": 6}
